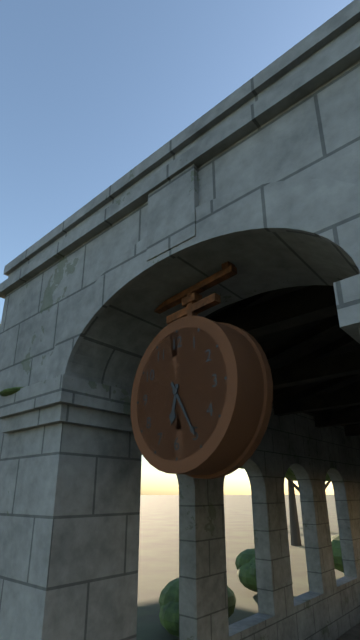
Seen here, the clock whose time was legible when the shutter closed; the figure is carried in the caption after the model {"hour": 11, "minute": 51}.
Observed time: {"hour": 6, "minute": 25}
